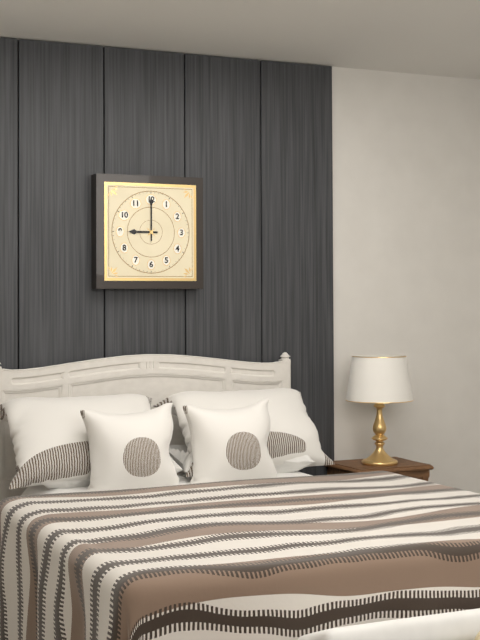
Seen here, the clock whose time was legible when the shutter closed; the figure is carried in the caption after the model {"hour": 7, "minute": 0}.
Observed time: {"hour": 9, "minute": 0}
